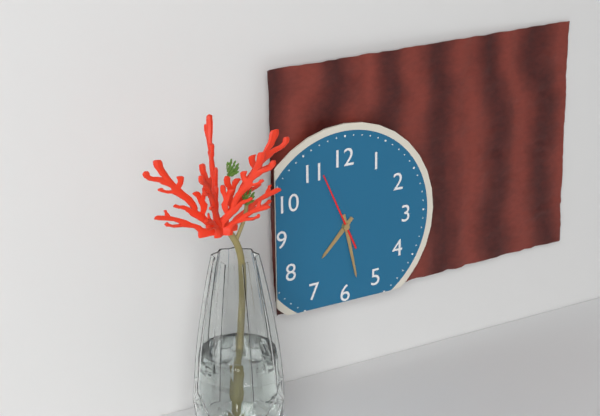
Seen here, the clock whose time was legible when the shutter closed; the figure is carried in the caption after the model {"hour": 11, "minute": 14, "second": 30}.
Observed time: {"hour": 7, "minute": 28, "second": 56}
